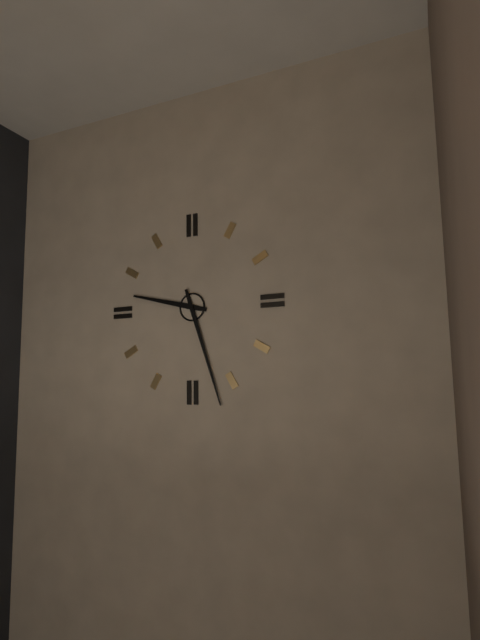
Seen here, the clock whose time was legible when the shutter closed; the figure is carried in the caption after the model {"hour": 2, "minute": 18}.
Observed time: {"hour": 9, "minute": 27}
